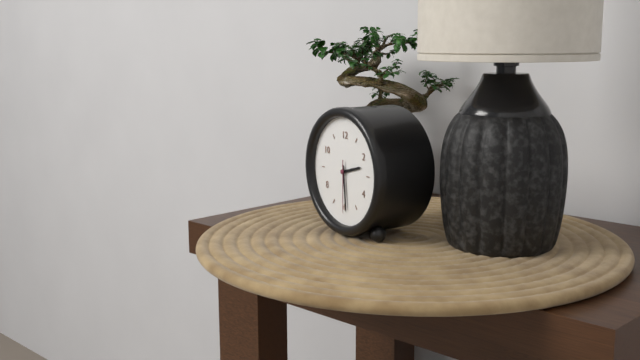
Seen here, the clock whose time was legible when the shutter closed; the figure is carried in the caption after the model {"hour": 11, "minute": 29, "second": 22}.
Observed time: {"hour": 2, "minute": 29, "second": 30}
